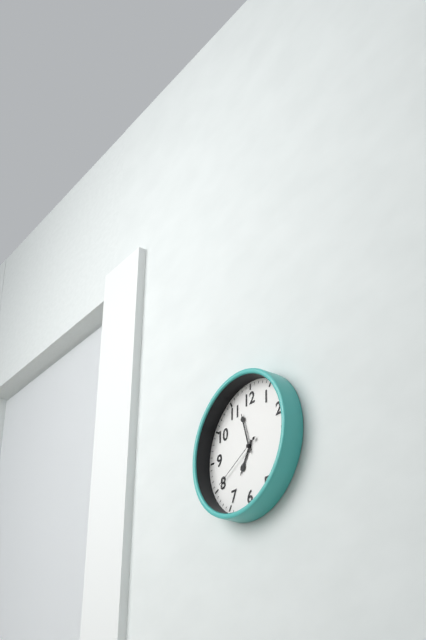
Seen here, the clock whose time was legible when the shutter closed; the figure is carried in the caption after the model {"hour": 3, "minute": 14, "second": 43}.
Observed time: {"hour": 6, "minute": 57, "second": 40}
